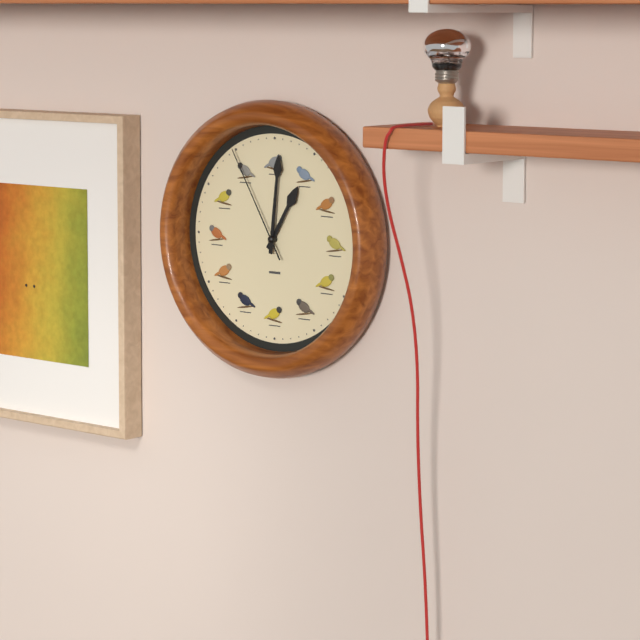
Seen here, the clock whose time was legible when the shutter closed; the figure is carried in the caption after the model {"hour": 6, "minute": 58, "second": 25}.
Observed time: {"hour": 1, "minute": 1, "second": 55}
